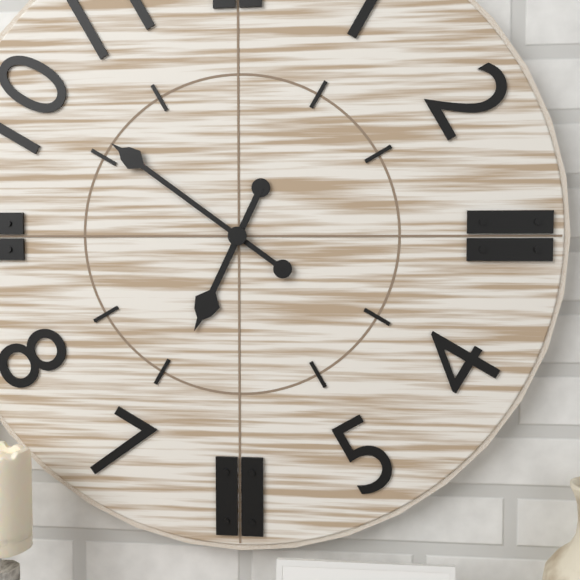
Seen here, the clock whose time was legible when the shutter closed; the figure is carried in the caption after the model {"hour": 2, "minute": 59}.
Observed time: {"hour": 6, "minute": 51}
